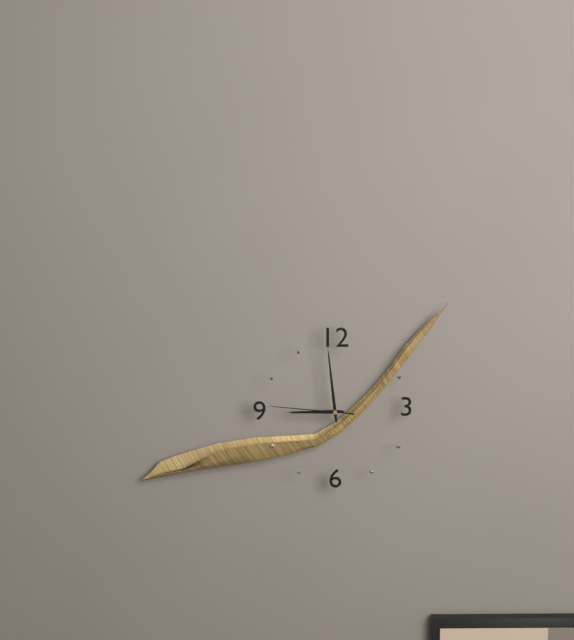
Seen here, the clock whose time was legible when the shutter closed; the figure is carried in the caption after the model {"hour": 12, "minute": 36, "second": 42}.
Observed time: {"hour": 8, "minute": 59, "second": 46}
